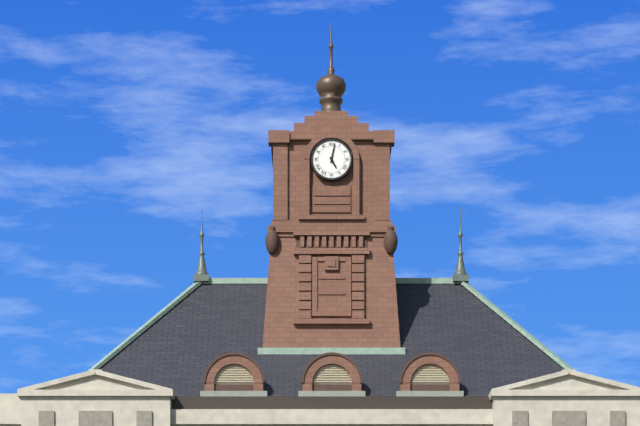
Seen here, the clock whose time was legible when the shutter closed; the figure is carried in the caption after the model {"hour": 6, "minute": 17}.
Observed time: {"hour": 5, "minute": 2}
